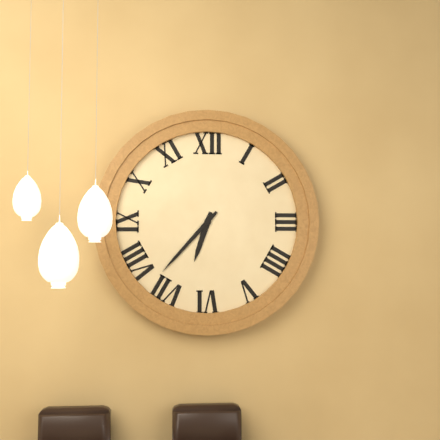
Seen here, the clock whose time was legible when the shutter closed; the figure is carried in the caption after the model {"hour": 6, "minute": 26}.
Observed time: {"hour": 6, "minute": 37}
